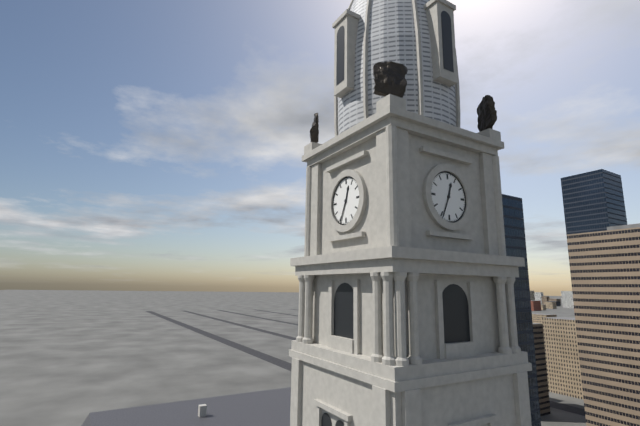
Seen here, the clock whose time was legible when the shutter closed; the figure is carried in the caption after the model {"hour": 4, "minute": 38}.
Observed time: {"hour": 12, "minute": 34}
